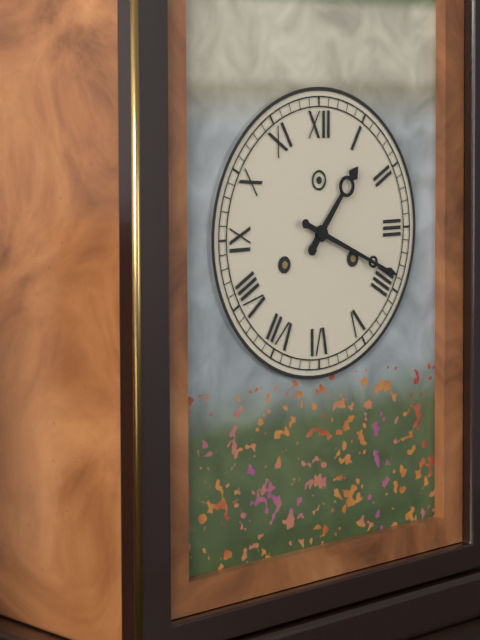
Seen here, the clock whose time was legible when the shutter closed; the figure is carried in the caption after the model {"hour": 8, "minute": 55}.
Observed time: {"hour": 1, "minute": 19}
